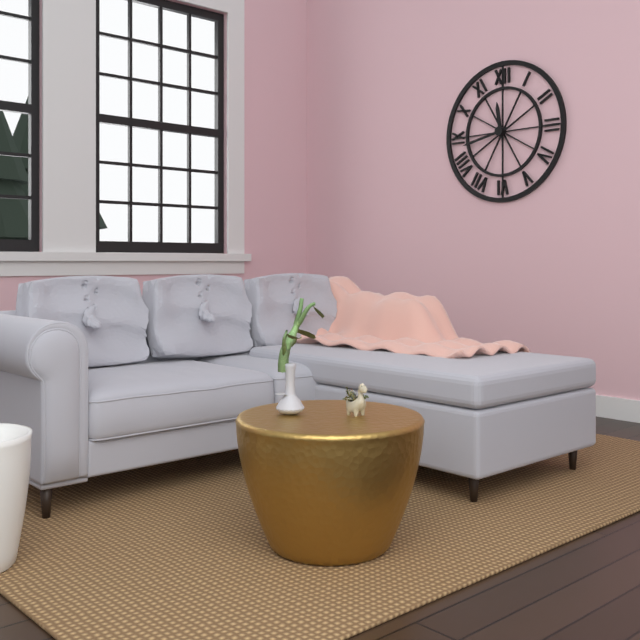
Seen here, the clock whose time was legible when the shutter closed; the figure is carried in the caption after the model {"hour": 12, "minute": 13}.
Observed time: {"hour": 11, "minute": 43}
